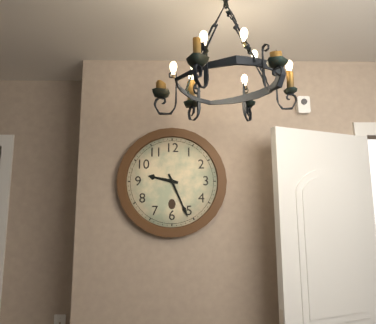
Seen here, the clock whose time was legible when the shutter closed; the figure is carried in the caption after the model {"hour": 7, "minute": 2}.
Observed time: {"hour": 9, "minute": 26}
